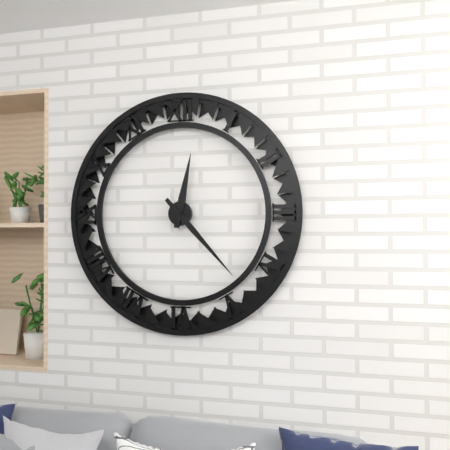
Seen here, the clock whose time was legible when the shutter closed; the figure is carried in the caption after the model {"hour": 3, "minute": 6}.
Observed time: {"hour": 12, "minute": 23}
